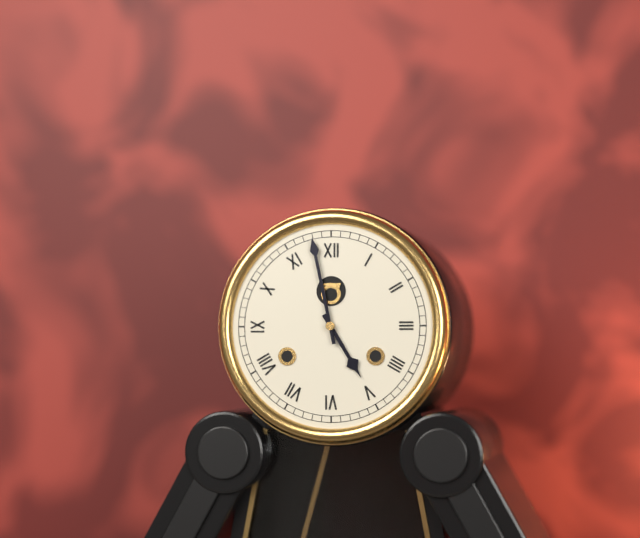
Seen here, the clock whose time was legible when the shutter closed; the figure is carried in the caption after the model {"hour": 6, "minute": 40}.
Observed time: {"hour": 4, "minute": 58}
